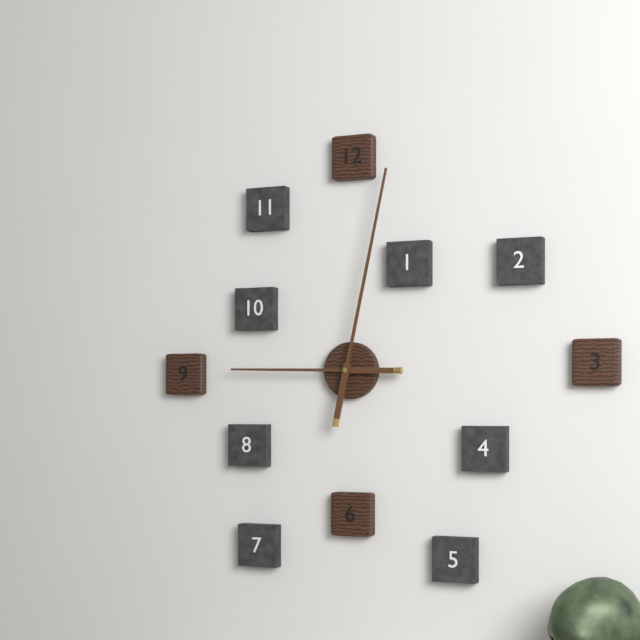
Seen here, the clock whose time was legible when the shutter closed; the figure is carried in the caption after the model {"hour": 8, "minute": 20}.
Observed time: {"hour": 9, "minute": 2}
